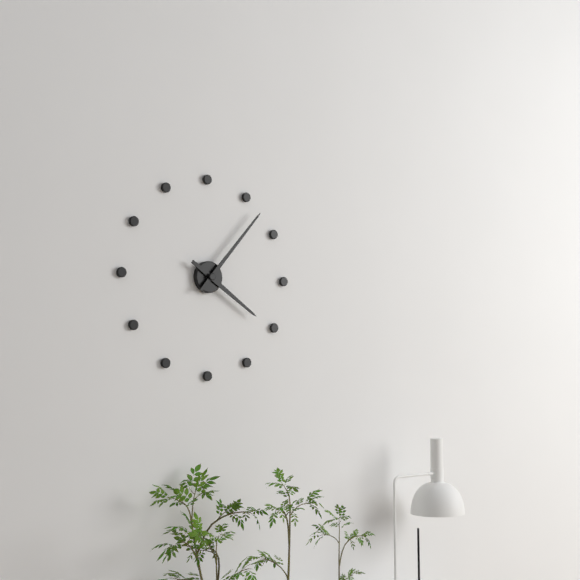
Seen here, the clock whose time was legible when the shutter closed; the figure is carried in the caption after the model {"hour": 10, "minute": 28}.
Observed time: {"hour": 4, "minute": 7}
